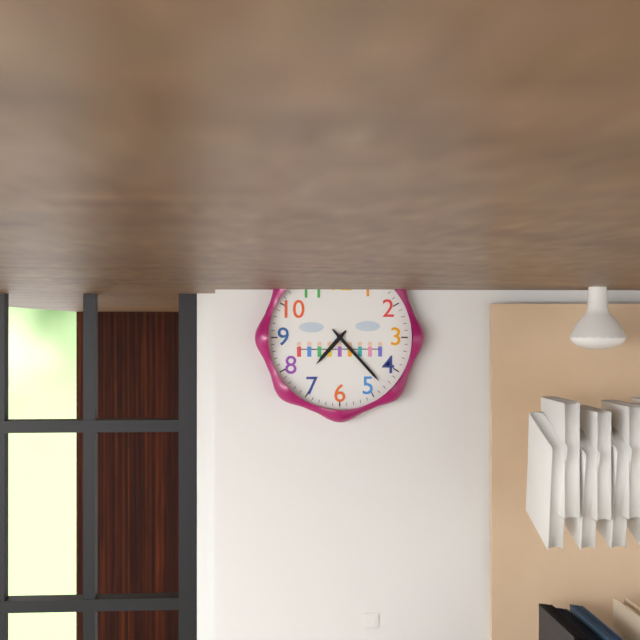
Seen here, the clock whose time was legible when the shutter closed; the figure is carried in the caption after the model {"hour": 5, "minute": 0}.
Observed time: {"hour": 7, "minute": 23}
